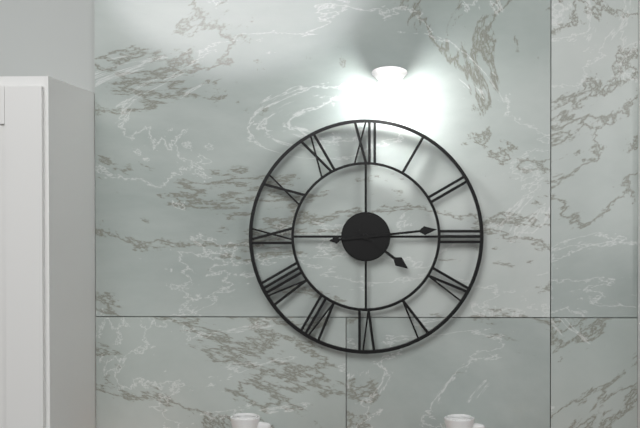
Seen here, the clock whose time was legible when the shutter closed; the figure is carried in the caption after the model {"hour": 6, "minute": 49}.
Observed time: {"hour": 4, "minute": 14}
